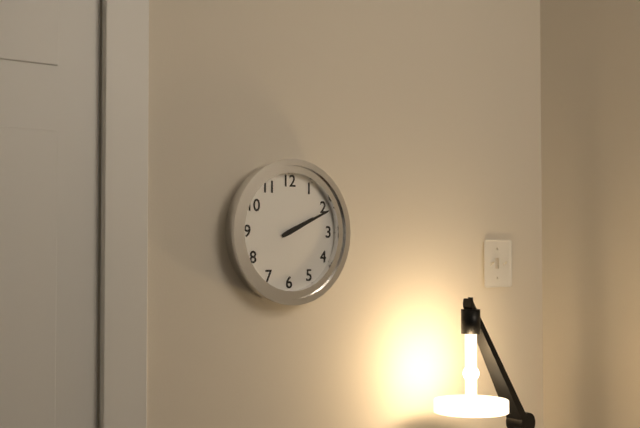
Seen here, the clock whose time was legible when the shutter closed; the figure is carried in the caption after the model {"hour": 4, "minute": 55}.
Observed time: {"hour": 2, "minute": 11}
